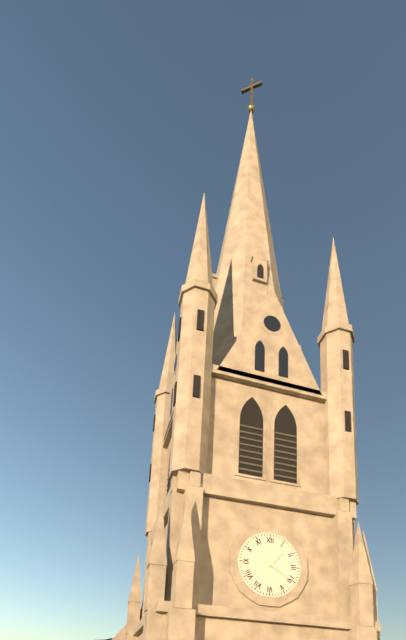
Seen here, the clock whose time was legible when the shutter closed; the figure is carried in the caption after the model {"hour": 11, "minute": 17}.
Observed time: {"hour": 1, "minute": 20}
